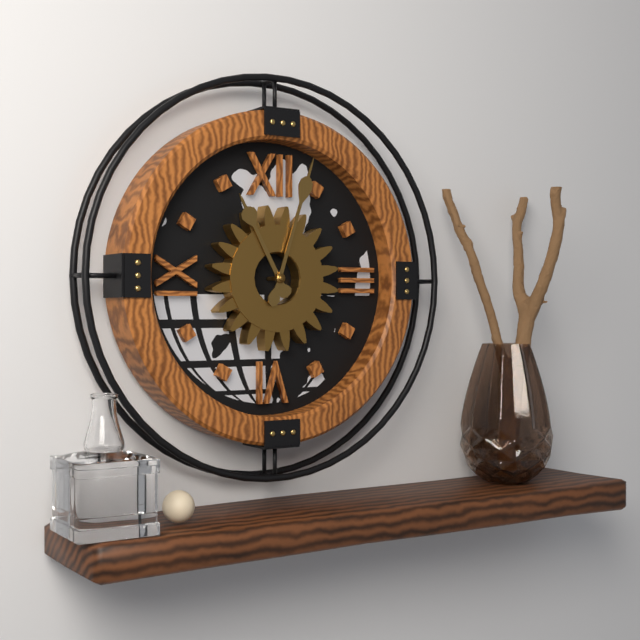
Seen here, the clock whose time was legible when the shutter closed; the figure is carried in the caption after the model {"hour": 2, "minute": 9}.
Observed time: {"hour": 11, "minute": 3}
